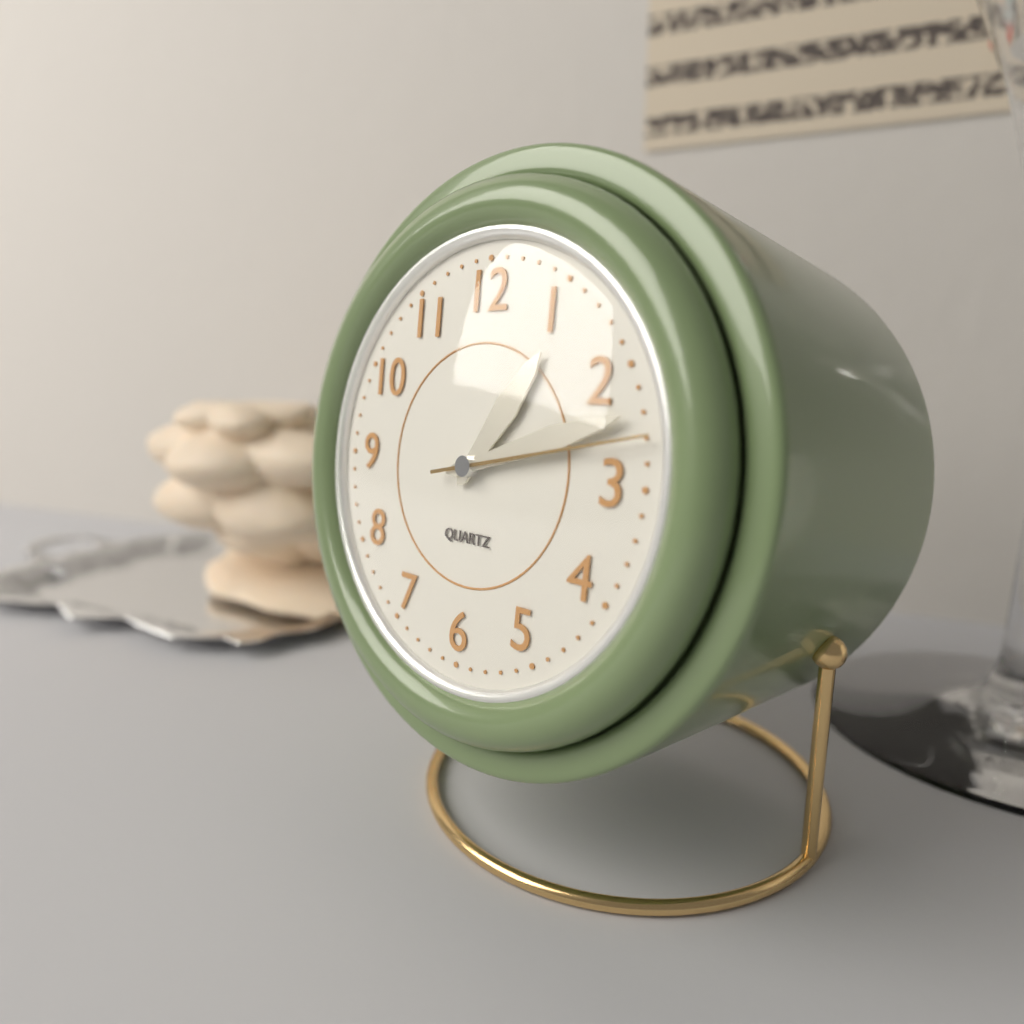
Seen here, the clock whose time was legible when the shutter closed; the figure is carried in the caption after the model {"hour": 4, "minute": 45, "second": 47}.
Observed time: {"hour": 1, "minute": 12, "second": 13}
